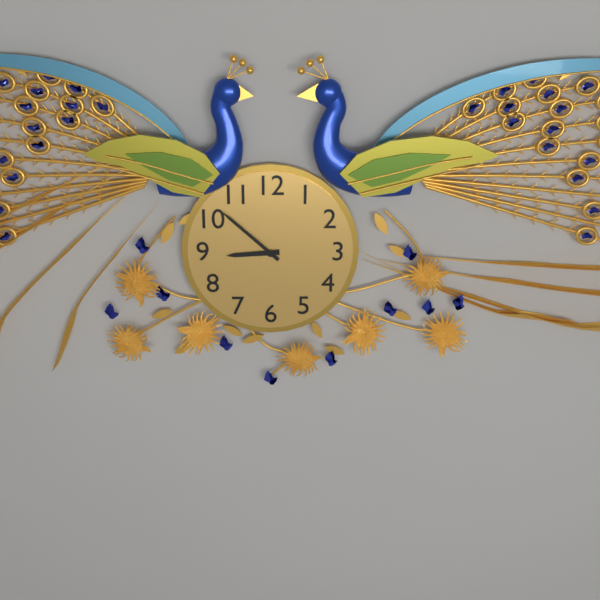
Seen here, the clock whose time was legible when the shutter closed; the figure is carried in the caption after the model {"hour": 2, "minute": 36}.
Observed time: {"hour": 8, "minute": 52}
